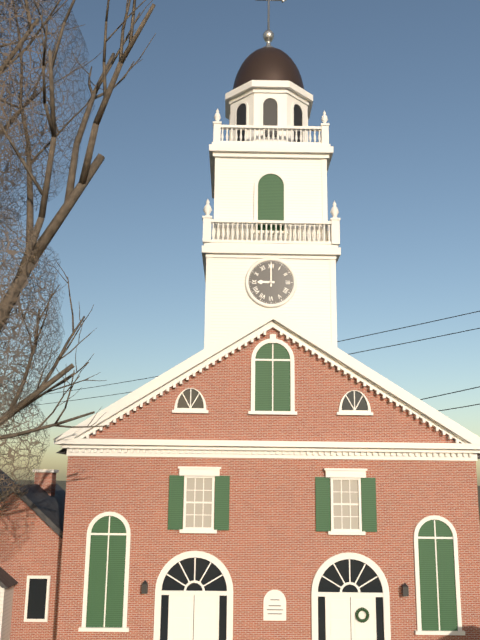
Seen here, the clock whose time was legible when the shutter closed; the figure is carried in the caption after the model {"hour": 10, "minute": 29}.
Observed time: {"hour": 9, "minute": 0}
